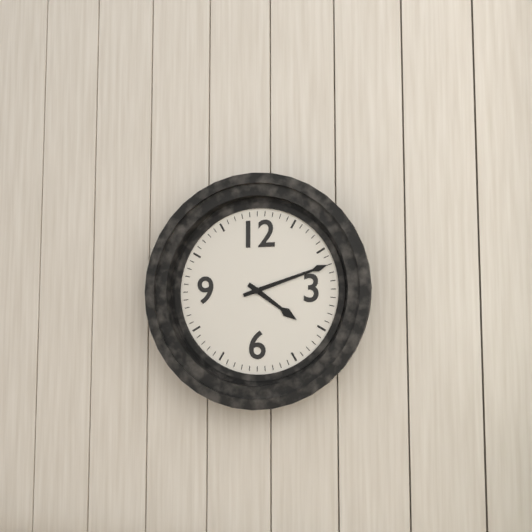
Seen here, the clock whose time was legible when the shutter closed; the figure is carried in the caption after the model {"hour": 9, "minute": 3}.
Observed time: {"hour": 4, "minute": 12}
